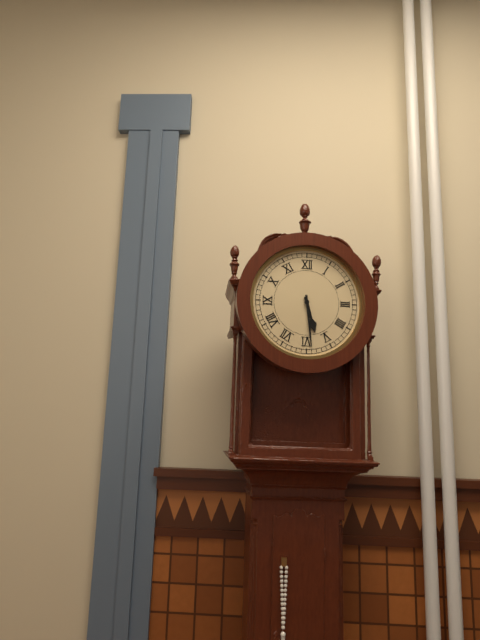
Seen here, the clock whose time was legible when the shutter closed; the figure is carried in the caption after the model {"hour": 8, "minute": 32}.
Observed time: {"hour": 5, "minute": 29}
